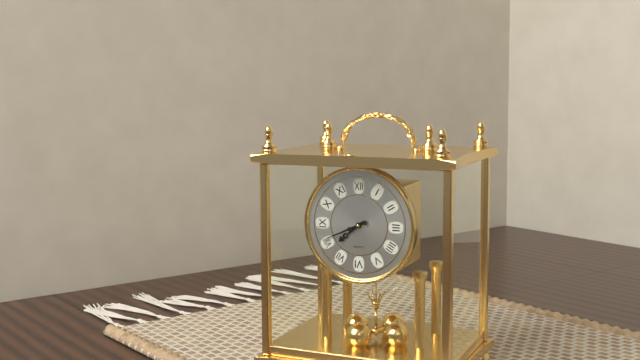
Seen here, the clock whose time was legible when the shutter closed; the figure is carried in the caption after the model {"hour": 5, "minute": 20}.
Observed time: {"hour": 7, "minute": 41}
